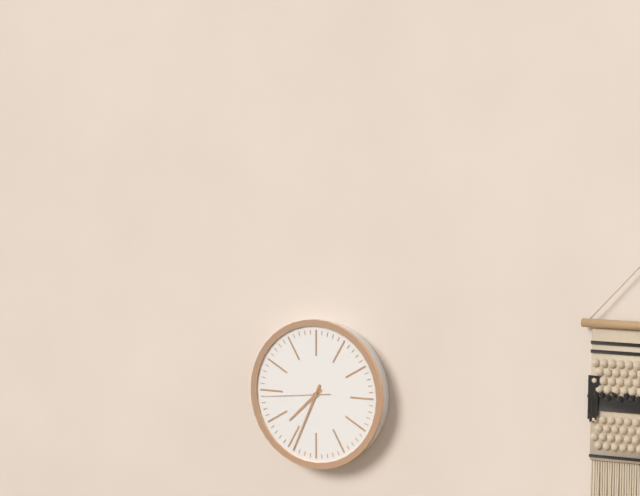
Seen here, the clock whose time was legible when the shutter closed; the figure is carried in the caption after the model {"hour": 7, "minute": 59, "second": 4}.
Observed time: {"hour": 7, "minute": 34, "second": 44}
